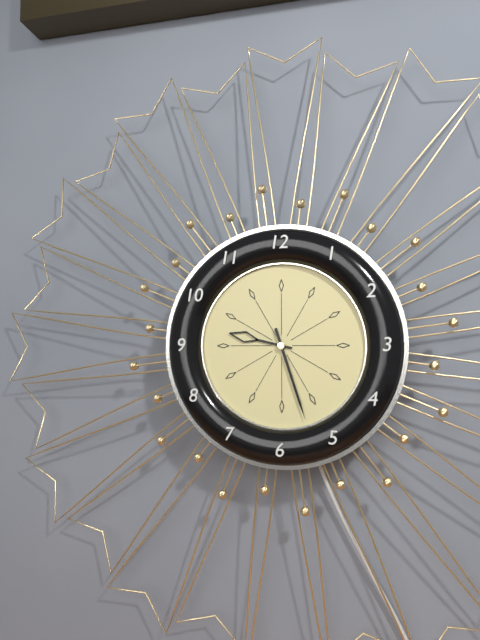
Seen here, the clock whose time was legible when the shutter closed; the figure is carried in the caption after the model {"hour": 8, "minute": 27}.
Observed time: {"hour": 9, "minute": 27}
